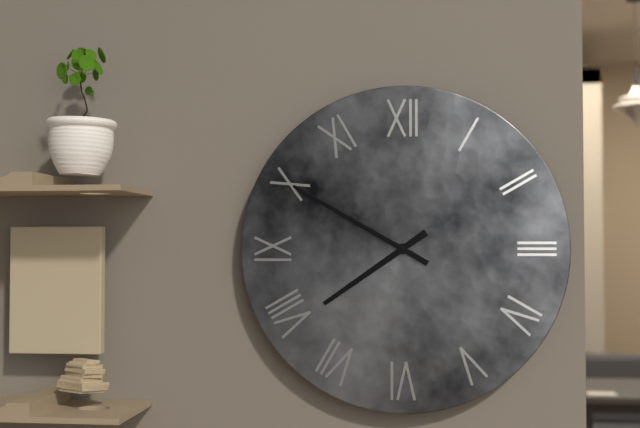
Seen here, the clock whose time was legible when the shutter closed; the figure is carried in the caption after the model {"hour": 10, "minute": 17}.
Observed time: {"hour": 7, "minute": 50}
